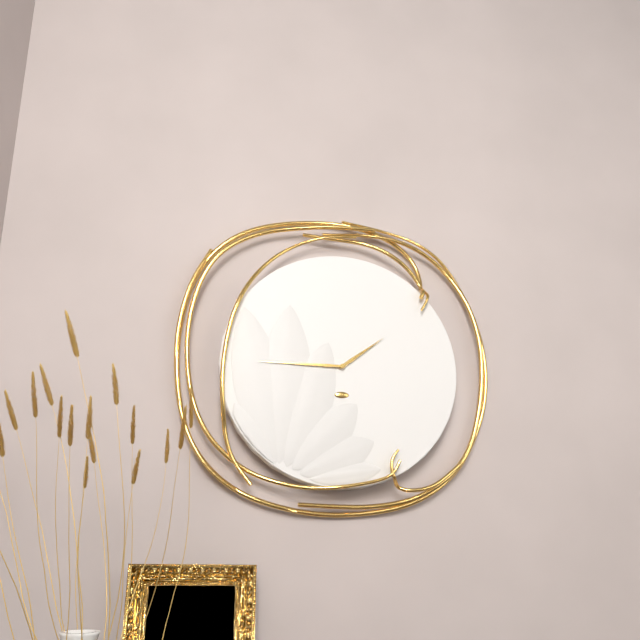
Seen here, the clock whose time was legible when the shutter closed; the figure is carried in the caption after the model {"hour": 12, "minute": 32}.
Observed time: {"hour": 1, "minute": 45}
